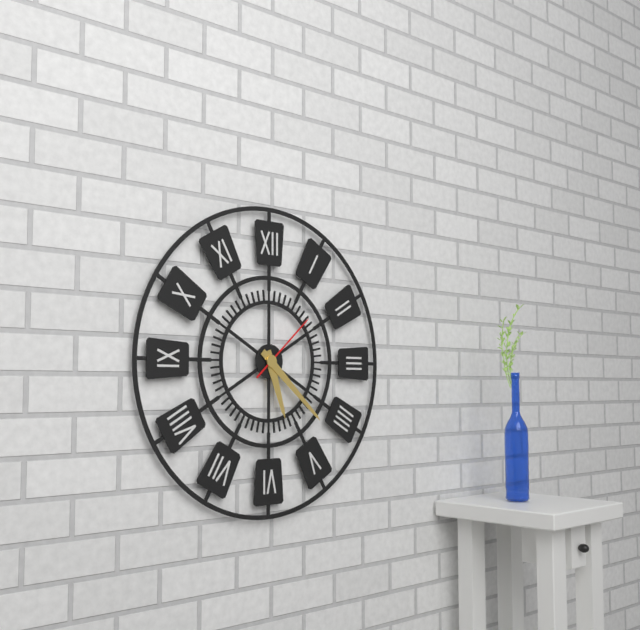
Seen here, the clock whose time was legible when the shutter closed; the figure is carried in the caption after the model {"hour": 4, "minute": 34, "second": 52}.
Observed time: {"hour": 5, "minute": 22, "second": 8}
